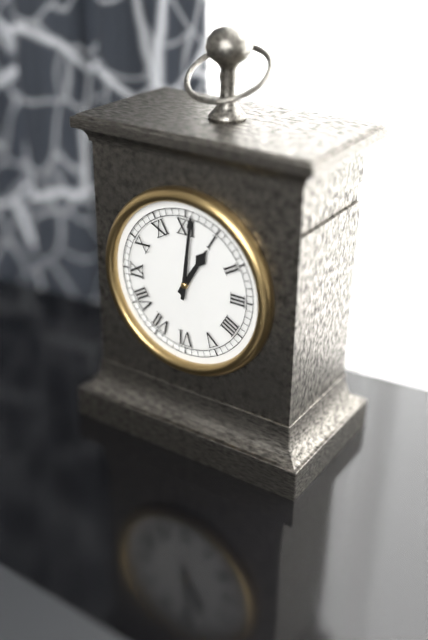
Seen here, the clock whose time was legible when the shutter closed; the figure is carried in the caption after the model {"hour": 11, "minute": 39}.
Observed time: {"hour": 1, "minute": 1}
